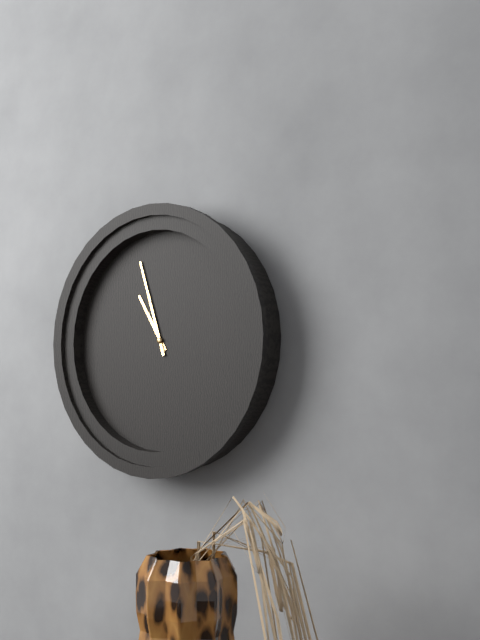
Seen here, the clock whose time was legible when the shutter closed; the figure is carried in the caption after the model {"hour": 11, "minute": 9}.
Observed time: {"hour": 10, "minute": 57}
